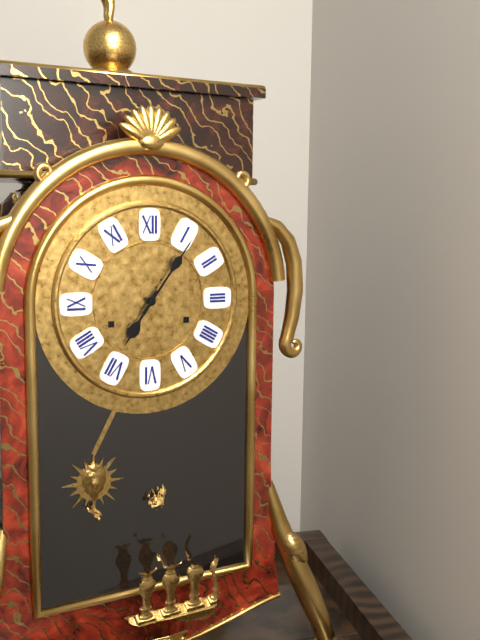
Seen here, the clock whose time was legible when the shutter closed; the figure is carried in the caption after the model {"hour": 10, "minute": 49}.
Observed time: {"hour": 7, "minute": 6}
